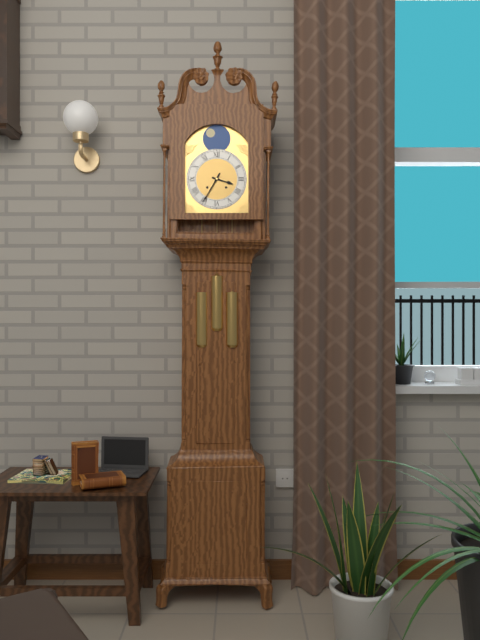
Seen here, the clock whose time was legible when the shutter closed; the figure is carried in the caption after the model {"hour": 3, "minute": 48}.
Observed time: {"hour": 3, "minute": 35}
